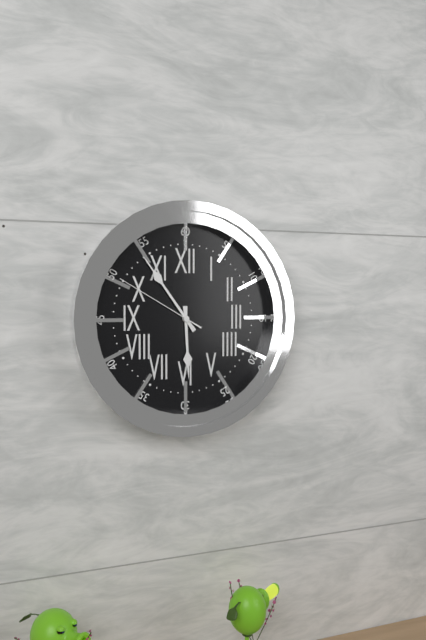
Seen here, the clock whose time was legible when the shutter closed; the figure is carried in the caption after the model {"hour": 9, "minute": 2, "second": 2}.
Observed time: {"hour": 5, "minute": 54, "second": 50}
